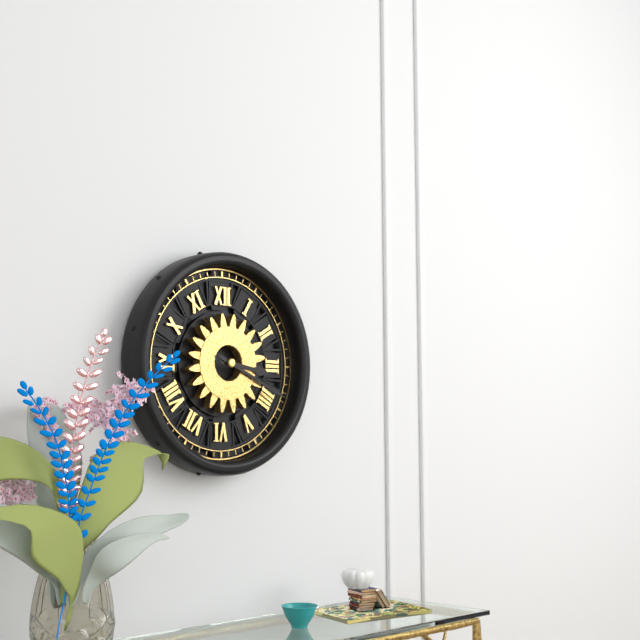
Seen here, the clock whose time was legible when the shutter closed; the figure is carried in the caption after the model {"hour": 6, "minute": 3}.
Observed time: {"hour": 3, "minute": 19}
